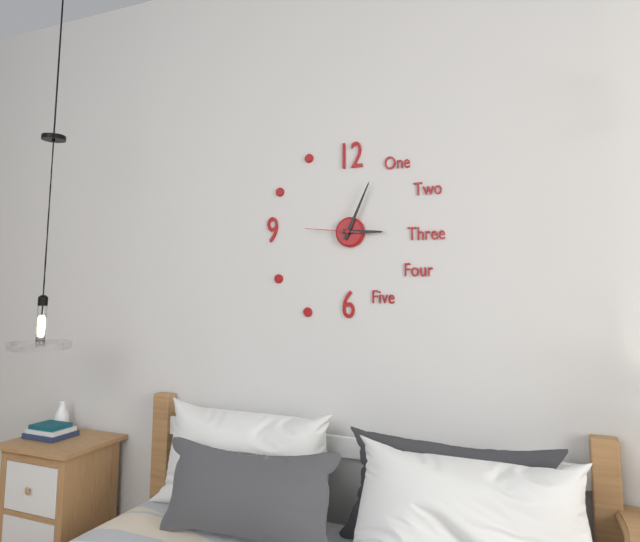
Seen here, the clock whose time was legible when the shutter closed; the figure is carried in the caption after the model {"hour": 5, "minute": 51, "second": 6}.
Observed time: {"hour": 3, "minute": 4, "second": 46}
